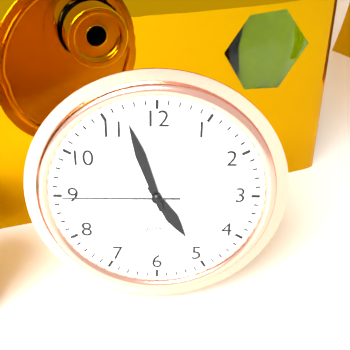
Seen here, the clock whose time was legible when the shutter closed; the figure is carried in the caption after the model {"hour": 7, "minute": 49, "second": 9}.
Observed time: {"hour": 4, "minute": 57, "second": 45}
